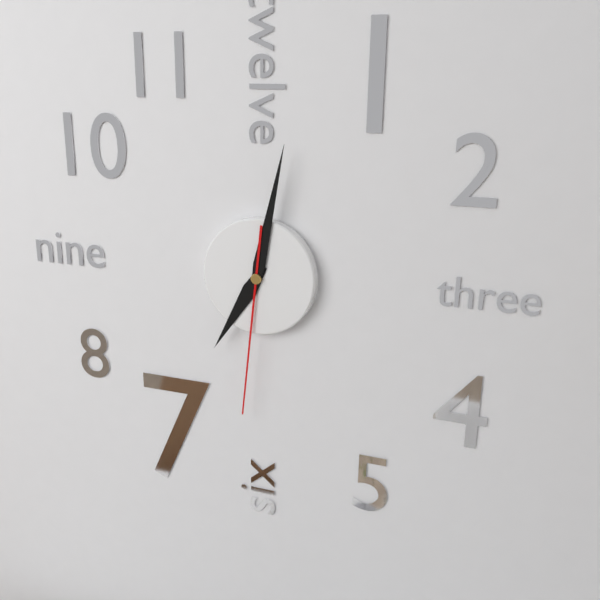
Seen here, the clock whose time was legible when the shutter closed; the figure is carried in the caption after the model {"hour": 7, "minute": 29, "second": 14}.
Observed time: {"hour": 7, "minute": 2, "second": 31}
